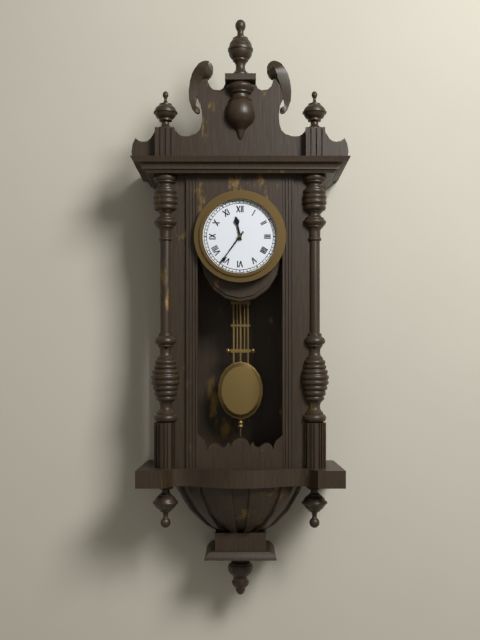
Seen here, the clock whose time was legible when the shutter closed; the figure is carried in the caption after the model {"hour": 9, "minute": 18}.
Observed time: {"hour": 11, "minute": 36}
